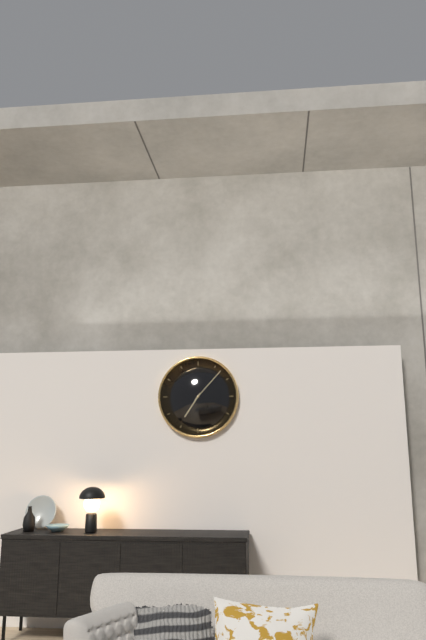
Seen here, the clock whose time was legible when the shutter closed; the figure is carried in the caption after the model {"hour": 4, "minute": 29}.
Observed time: {"hour": 7, "minute": 7}
